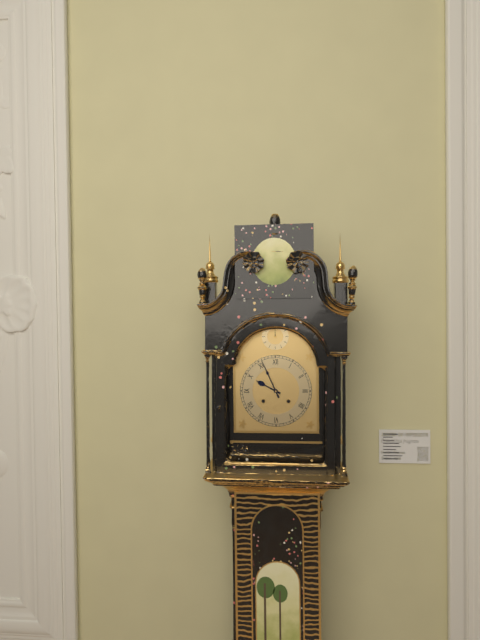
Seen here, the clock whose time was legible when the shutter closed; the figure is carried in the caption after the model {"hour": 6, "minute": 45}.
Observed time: {"hour": 9, "minute": 56}
